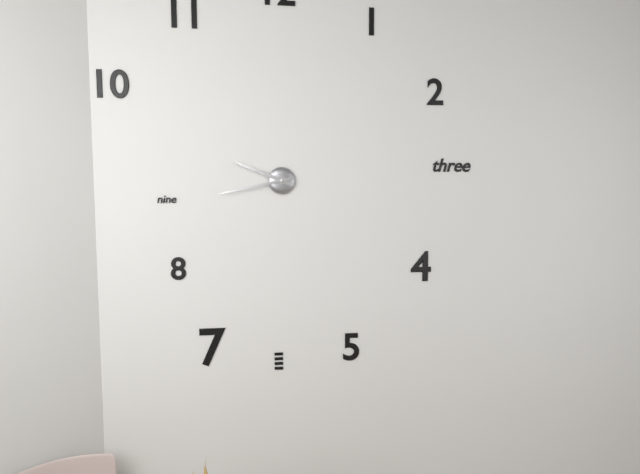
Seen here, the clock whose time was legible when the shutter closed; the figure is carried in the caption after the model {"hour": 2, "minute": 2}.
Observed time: {"hour": 9, "minute": 43}
